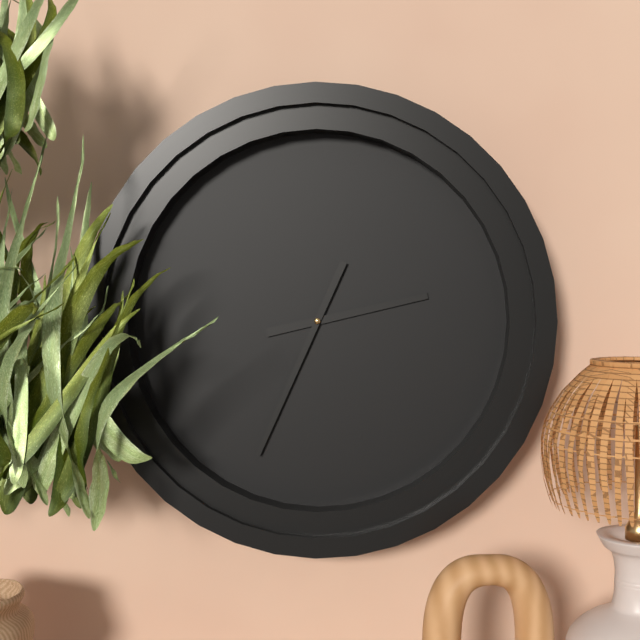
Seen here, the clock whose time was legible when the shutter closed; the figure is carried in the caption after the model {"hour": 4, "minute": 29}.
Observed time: {"hour": 2, "minute": 34}
